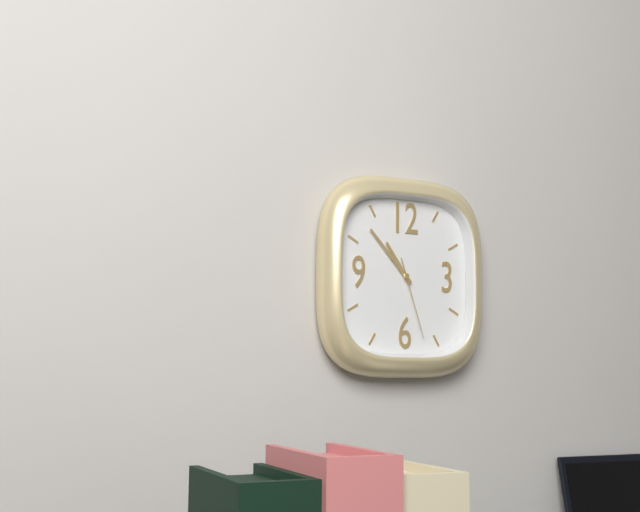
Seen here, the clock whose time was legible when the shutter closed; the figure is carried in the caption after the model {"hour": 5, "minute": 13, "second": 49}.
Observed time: {"hour": 10, "minute": 53, "second": 27}
